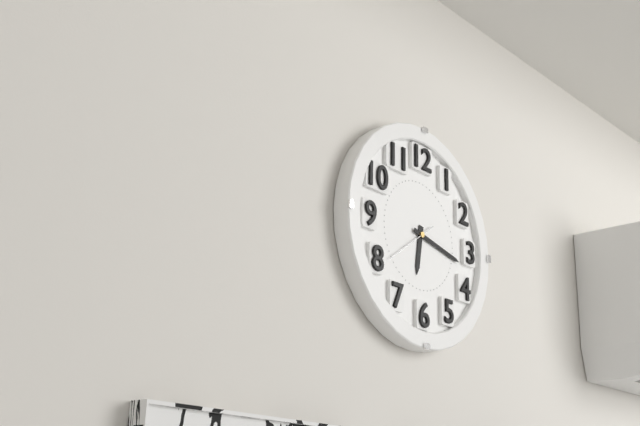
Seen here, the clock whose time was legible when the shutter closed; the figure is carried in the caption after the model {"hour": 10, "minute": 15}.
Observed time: {"hour": 6, "minute": 17}
